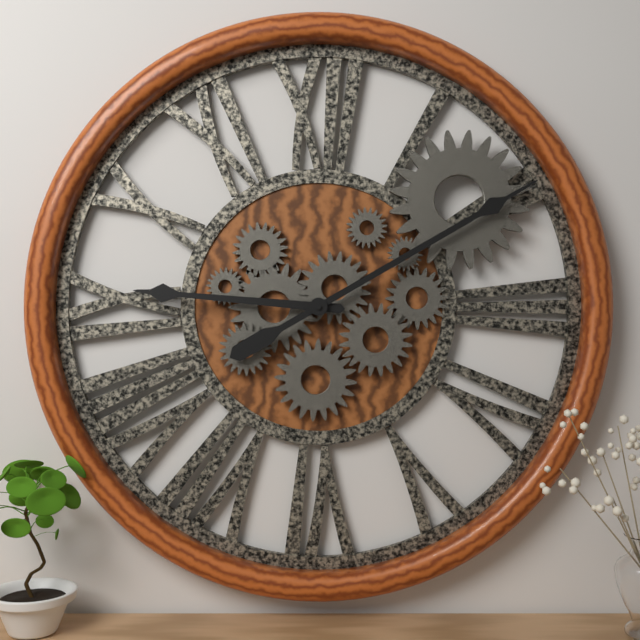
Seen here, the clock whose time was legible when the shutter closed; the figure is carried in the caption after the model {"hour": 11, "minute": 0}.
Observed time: {"hour": 9, "minute": 10}
